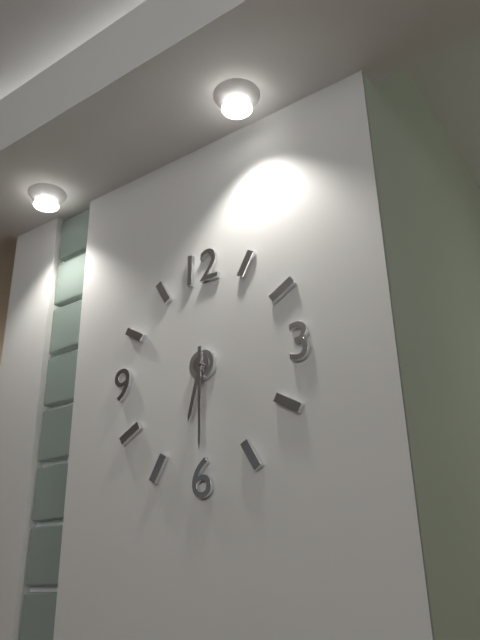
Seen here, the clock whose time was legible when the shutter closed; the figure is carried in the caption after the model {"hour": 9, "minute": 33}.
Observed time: {"hour": 6, "minute": 30}
